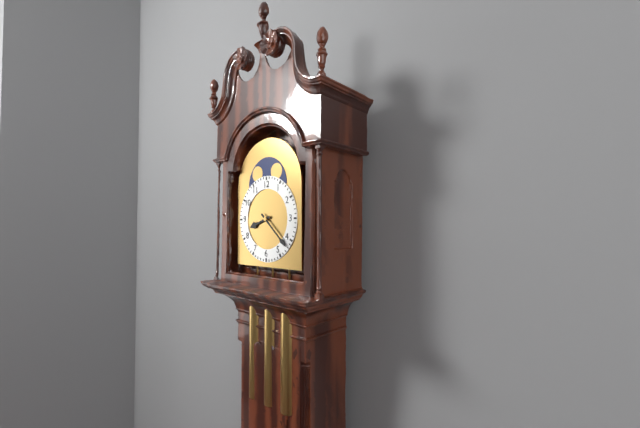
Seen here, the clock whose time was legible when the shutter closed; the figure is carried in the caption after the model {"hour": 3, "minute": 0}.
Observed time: {"hour": 8, "minute": 22}
